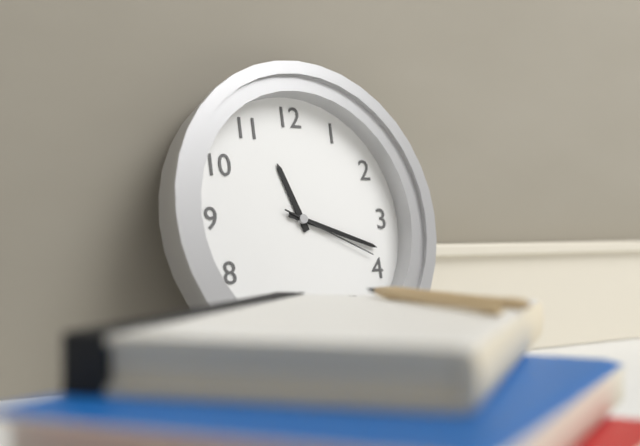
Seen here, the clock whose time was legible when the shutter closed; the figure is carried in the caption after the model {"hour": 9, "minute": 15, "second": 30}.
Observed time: {"hour": 11, "minute": 18, "second": 19}
